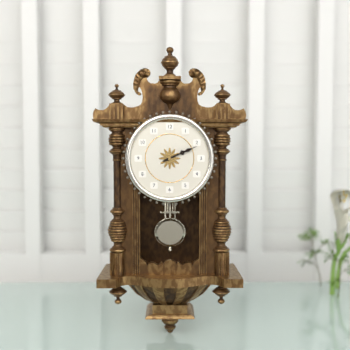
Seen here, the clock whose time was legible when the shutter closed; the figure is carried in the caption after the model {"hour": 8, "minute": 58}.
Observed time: {"hour": 2, "minute": 11}
